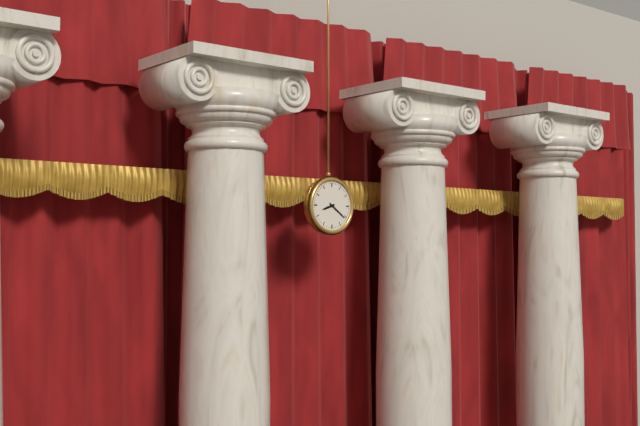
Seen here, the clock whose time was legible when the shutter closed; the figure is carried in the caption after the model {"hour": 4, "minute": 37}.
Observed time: {"hour": 8, "minute": 21}
